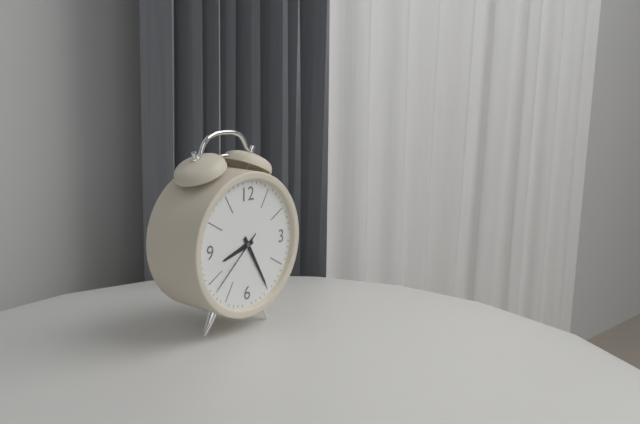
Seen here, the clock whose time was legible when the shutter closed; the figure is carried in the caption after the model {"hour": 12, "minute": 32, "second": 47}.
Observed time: {"hour": 8, "minute": 25, "second": 38}
